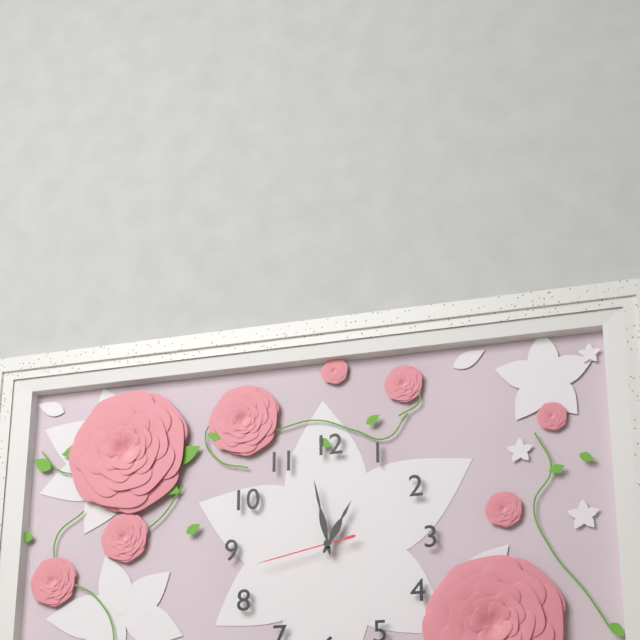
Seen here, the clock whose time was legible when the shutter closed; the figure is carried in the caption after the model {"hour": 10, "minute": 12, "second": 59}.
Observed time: {"hour": 12, "minute": 58, "second": 43}
